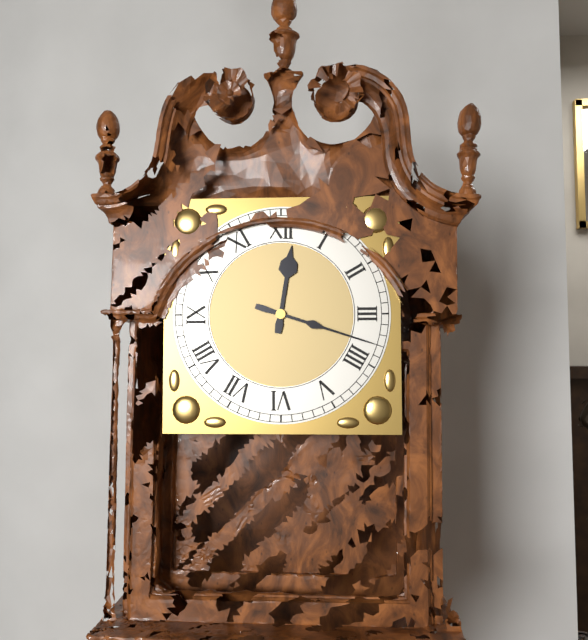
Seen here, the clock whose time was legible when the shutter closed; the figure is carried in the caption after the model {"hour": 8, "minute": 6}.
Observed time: {"hour": 12, "minute": 18}
